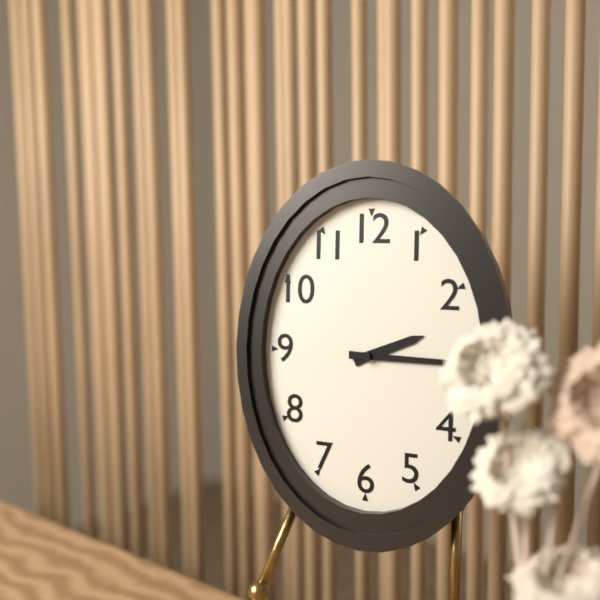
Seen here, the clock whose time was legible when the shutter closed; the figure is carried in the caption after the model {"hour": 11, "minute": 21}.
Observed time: {"hour": 2, "minute": 15}
